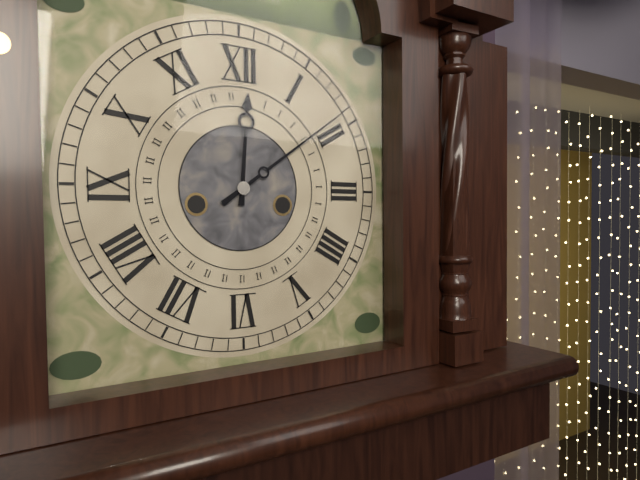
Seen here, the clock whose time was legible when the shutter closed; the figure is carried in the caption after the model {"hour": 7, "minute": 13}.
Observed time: {"hour": 12, "minute": 9}
